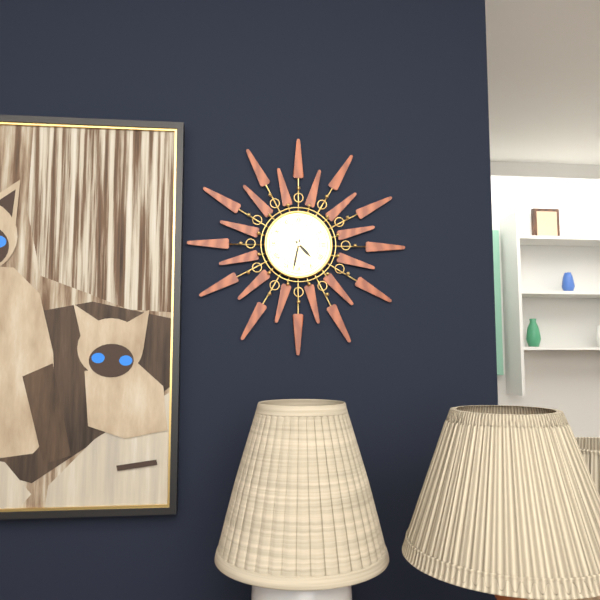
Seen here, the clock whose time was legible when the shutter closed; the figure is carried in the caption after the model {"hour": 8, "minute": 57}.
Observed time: {"hour": 4, "minute": 32}
